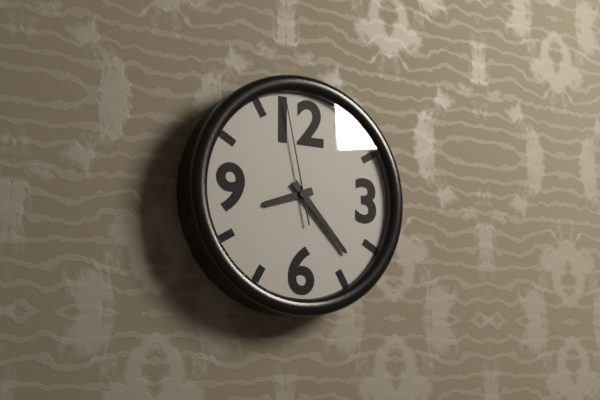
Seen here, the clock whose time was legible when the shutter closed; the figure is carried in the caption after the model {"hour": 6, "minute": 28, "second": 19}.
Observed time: {"hour": 8, "minute": 23, "second": 58}
